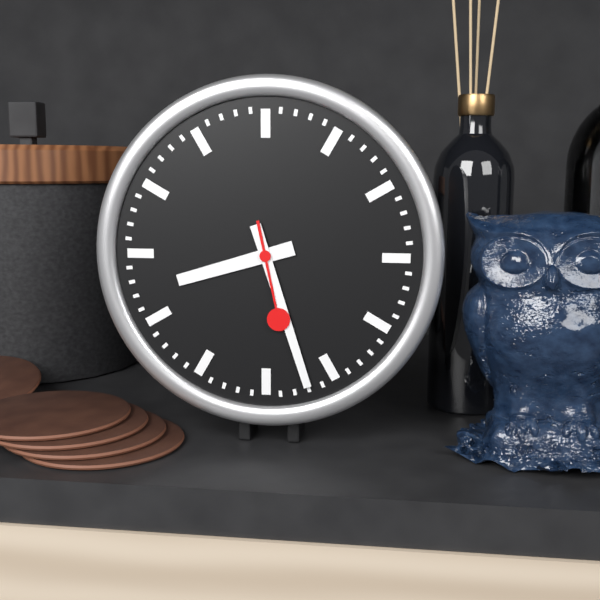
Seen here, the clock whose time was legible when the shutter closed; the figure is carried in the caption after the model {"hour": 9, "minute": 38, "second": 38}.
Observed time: {"hour": 8, "minute": 27, "second": 28}
